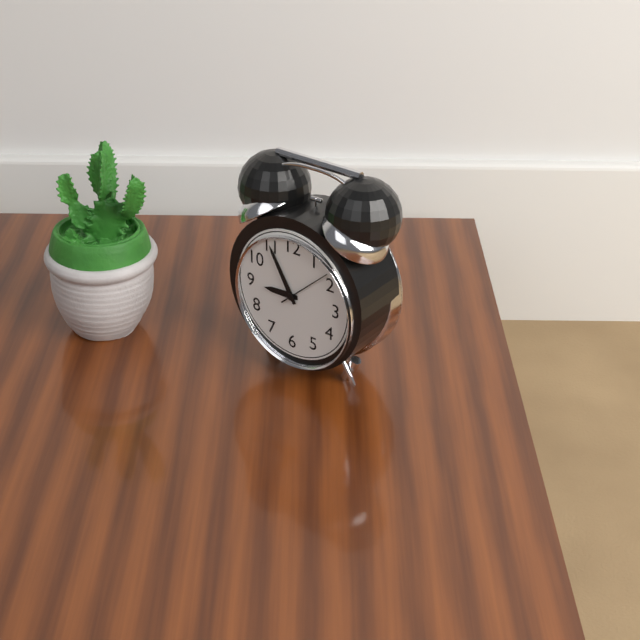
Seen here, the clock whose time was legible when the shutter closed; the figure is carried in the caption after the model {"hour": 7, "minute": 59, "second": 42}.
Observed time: {"hour": 8, "minute": 55, "second": 8}
